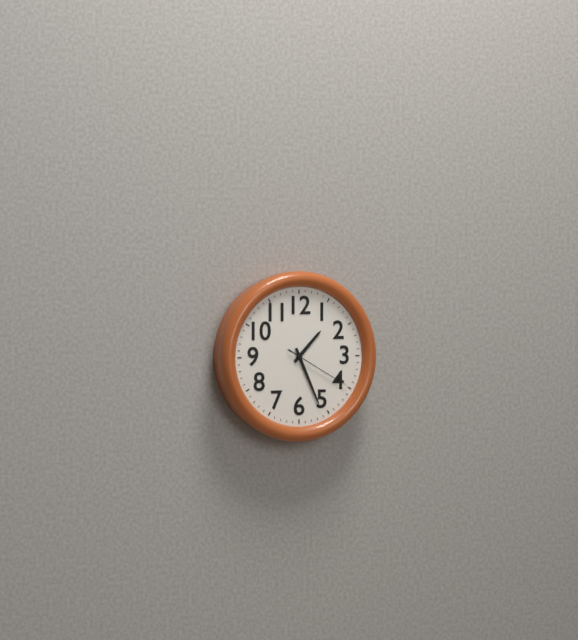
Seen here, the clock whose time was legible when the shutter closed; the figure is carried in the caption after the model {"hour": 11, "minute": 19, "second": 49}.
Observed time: {"hour": 1, "minute": 26, "second": 20}
